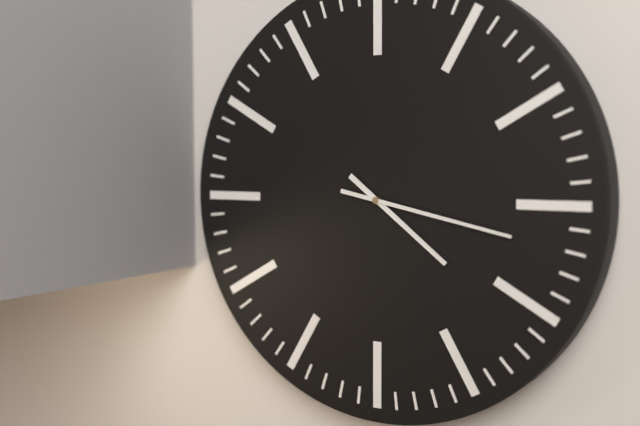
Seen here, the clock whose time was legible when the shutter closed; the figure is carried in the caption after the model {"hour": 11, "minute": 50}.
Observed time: {"hour": 4, "minute": 17}
